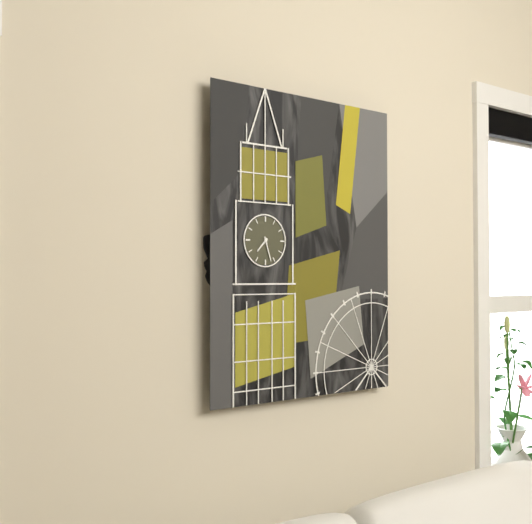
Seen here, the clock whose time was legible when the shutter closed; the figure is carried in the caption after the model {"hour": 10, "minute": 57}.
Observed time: {"hour": 7, "minute": 27}
